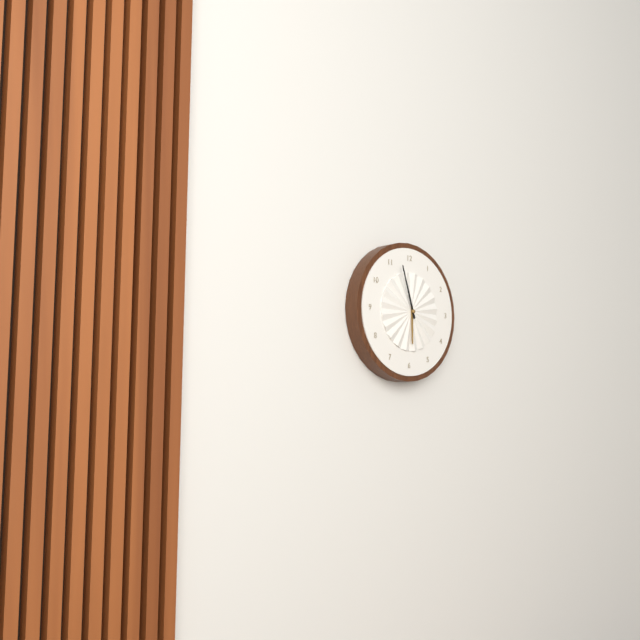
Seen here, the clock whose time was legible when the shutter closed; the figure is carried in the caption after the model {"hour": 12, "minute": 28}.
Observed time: {"hour": 5, "minute": 57}
